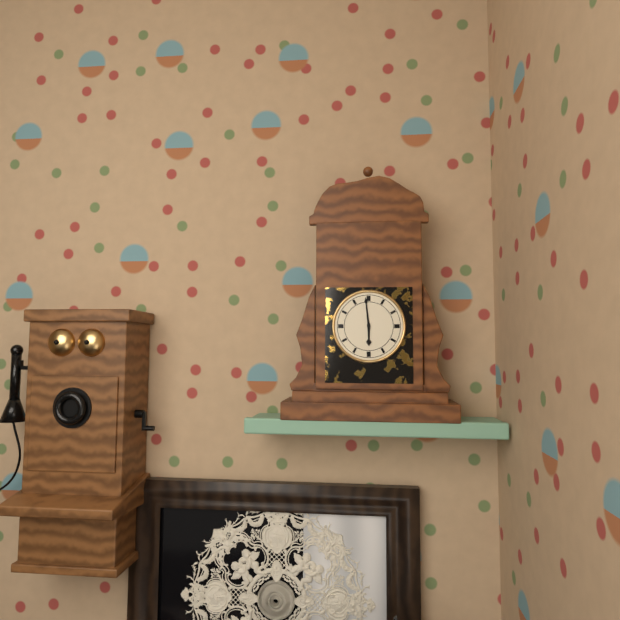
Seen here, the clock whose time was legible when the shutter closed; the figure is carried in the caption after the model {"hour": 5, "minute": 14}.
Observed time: {"hour": 5, "minute": 59}
